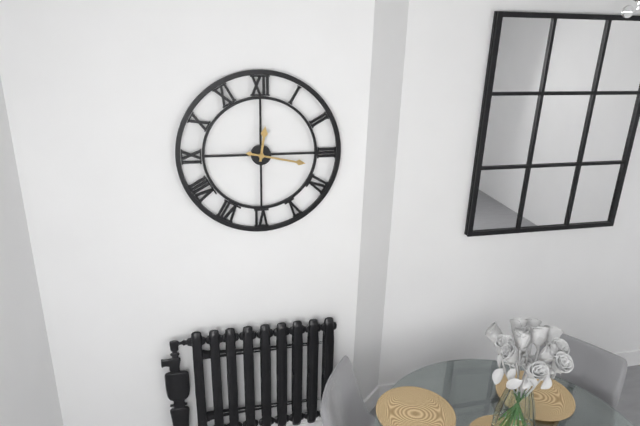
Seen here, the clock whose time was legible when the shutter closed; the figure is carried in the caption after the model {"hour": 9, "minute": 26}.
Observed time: {"hour": 12, "minute": 17}
